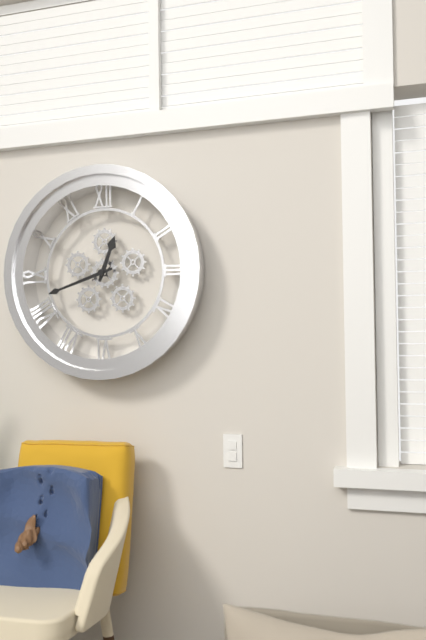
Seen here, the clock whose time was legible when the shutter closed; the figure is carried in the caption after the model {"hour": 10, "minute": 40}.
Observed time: {"hour": 12, "minute": 42}
